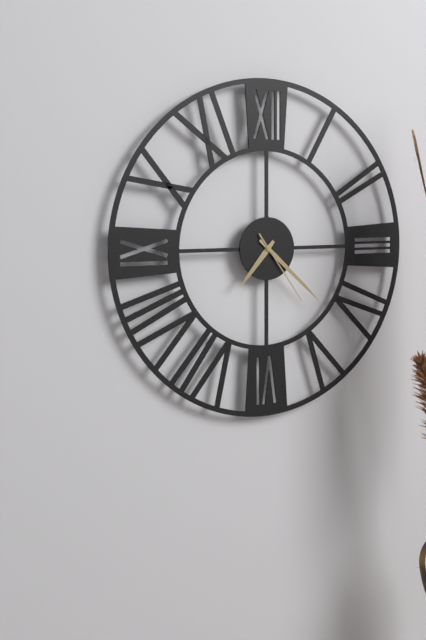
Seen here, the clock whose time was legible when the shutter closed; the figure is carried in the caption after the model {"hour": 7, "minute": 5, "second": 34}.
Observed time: {"hour": 7, "minute": 22, "second": 24}
